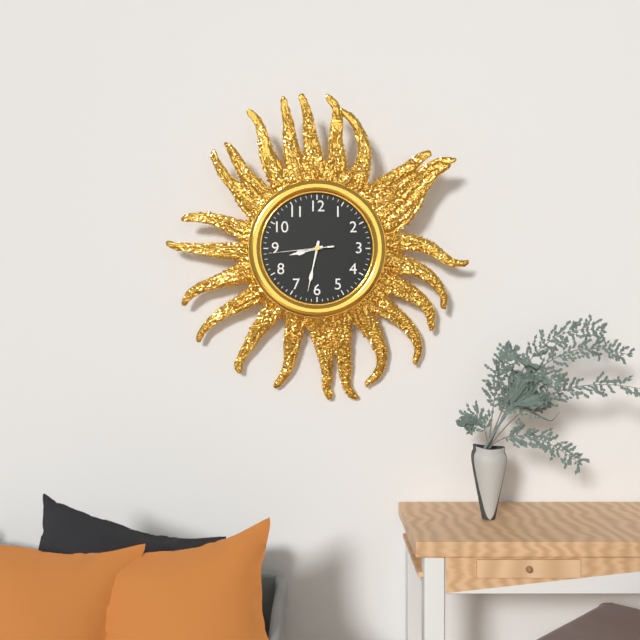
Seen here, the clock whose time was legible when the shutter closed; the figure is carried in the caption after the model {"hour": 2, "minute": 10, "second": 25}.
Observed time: {"hour": 8, "minute": 32, "second": 44}
